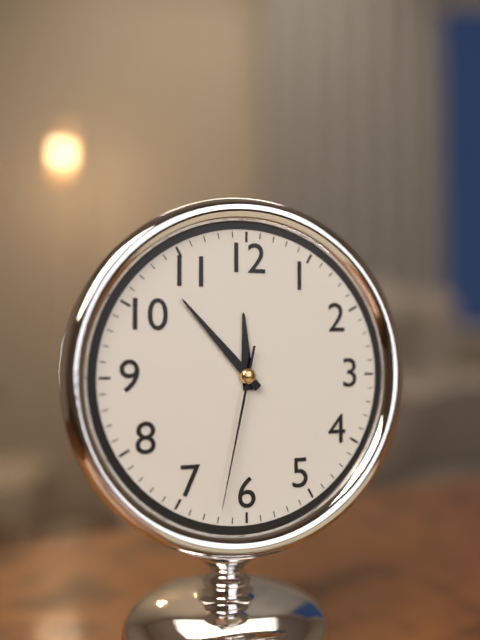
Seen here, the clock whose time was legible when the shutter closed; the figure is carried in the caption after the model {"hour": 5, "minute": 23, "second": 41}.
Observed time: {"hour": 11, "minute": 53, "second": 32}
